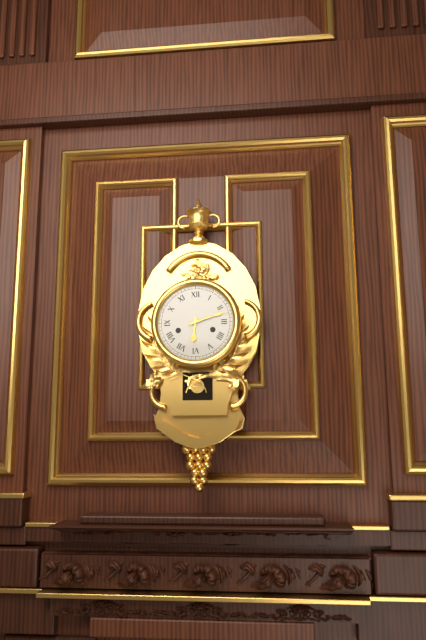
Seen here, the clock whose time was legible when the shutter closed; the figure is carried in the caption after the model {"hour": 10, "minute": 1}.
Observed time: {"hour": 6, "minute": 12}
